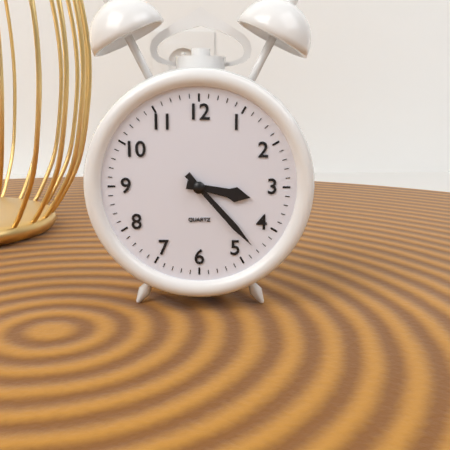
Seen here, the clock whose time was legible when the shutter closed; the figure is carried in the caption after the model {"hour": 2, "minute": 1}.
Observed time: {"hour": 3, "minute": 23}
